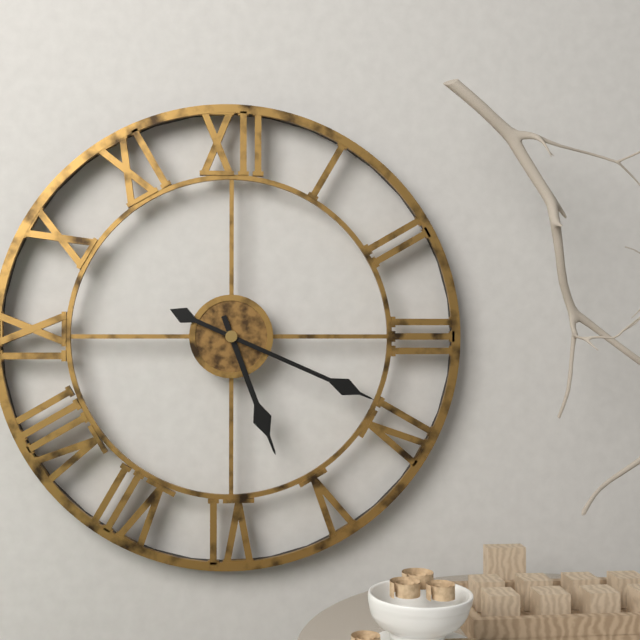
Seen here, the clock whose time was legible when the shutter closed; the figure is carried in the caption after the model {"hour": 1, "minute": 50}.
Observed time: {"hour": 5, "minute": 19}
